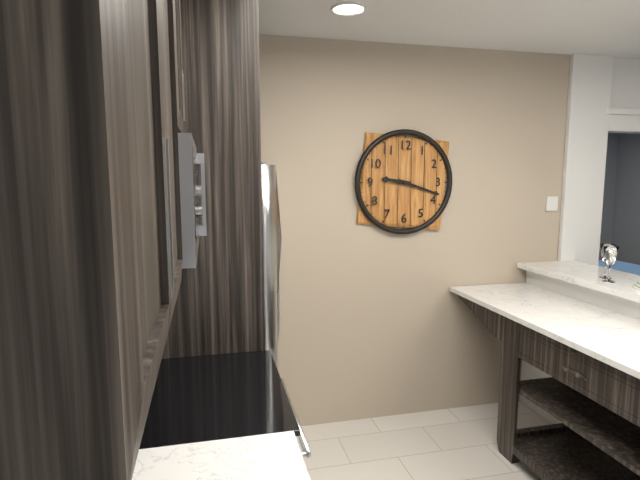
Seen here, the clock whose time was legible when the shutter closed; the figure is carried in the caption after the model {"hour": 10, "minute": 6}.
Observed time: {"hour": 9, "minute": 18}
